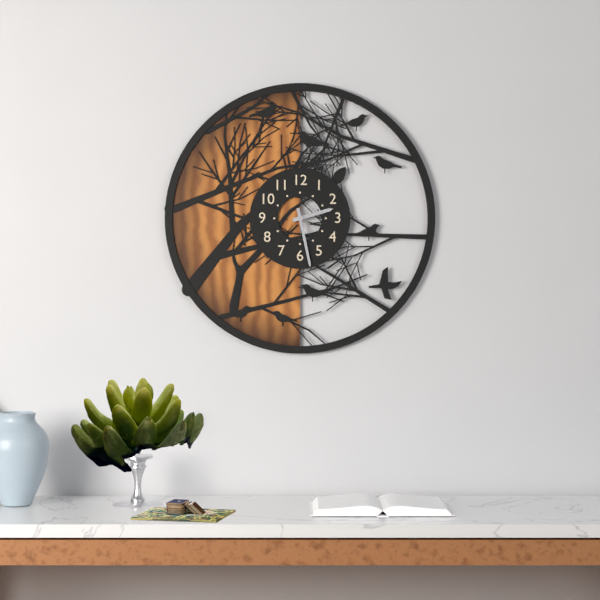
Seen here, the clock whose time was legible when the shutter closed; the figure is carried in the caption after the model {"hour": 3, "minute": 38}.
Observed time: {"hour": 2, "minute": 28}
